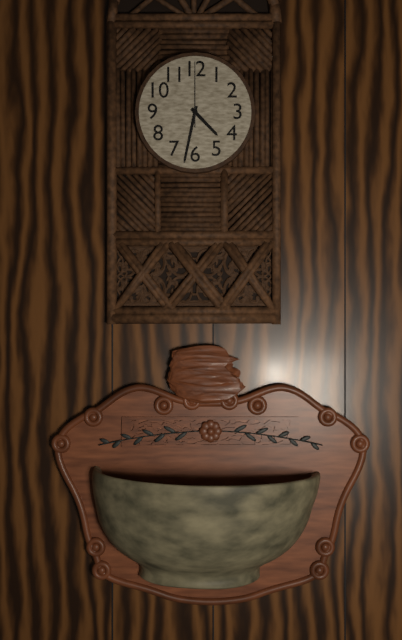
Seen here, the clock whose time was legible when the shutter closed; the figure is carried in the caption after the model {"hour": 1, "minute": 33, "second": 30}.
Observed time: {"hour": 4, "minute": 32, "second": 0}
